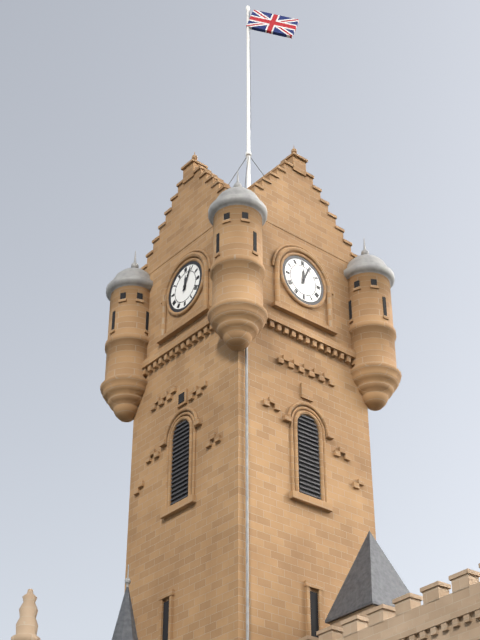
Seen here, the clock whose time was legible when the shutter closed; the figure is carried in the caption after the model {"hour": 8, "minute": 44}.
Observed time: {"hour": 12, "minute": 4}
